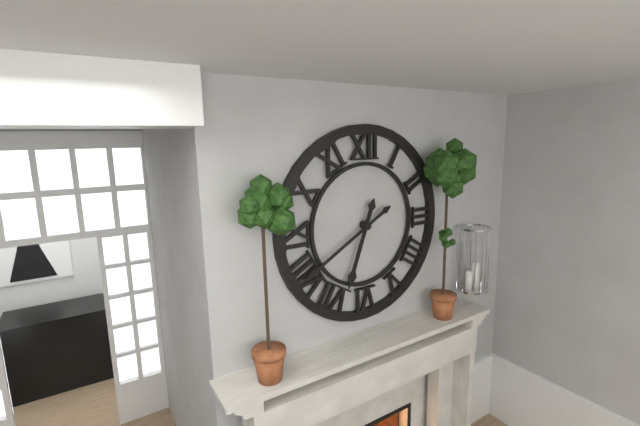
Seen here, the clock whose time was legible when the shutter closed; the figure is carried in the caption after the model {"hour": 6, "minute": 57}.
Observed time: {"hour": 6, "minute": 40}
